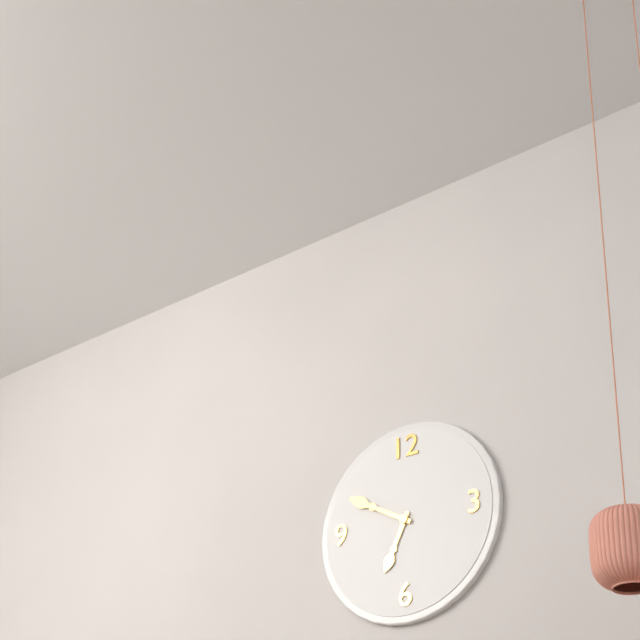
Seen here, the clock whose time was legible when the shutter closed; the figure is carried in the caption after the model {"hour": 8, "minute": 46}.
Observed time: {"hour": 6, "minute": 50}
